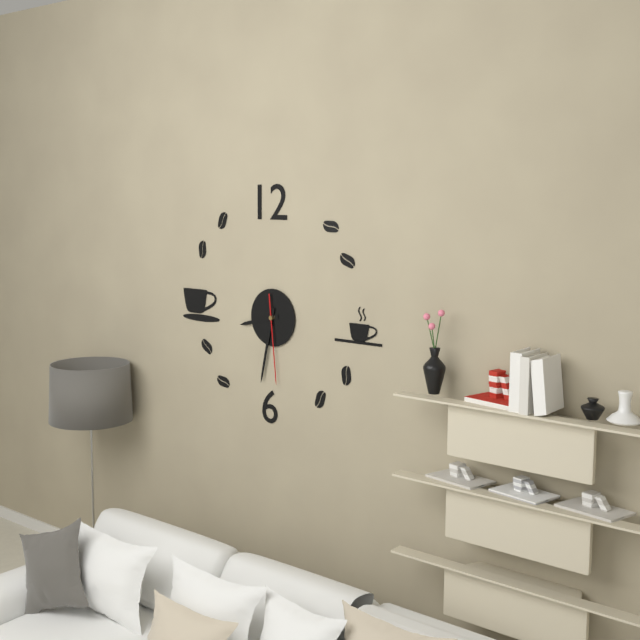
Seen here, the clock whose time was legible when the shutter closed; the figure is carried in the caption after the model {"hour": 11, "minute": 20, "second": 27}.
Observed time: {"hour": 8, "minute": 32, "second": 29}
